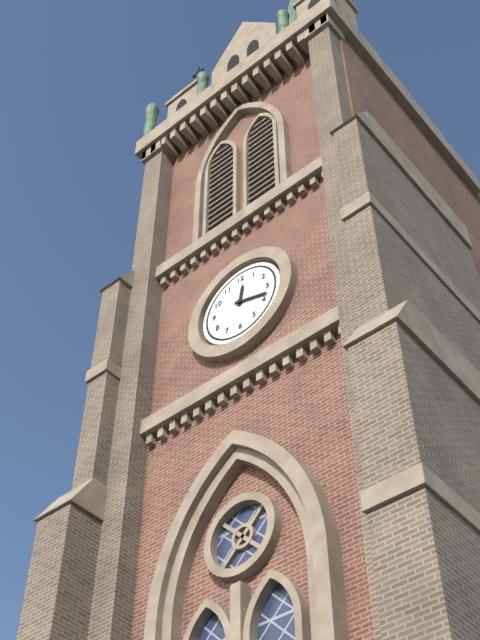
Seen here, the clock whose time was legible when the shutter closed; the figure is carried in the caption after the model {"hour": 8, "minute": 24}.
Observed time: {"hour": 12, "minute": 18}
